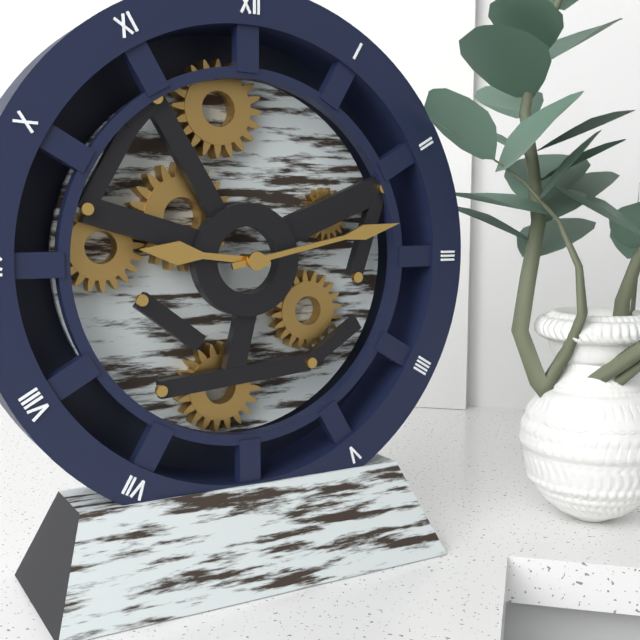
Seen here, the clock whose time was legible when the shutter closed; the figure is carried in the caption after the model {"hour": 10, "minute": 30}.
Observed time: {"hour": 9, "minute": 13}
